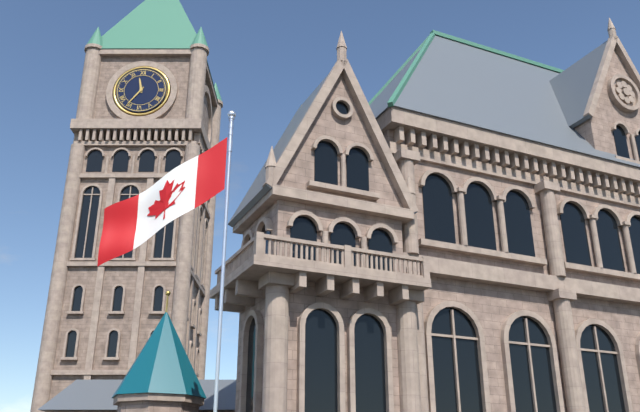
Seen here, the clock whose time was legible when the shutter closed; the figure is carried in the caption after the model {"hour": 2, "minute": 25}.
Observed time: {"hour": 11, "minute": 36}
